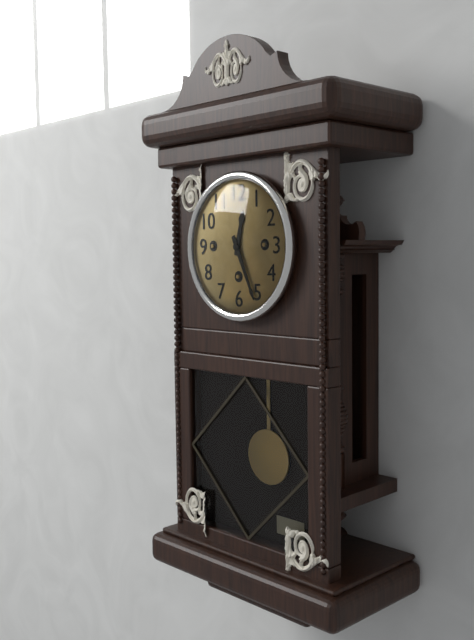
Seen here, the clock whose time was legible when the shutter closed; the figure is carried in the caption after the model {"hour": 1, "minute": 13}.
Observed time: {"hour": 12, "minute": 26}
